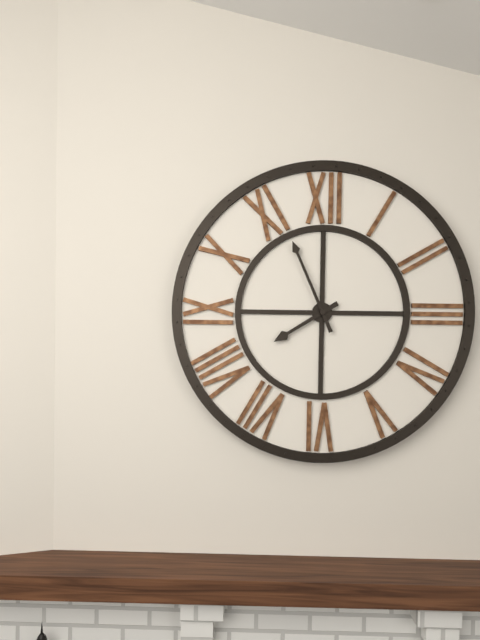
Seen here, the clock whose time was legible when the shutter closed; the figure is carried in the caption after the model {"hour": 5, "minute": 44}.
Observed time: {"hour": 7, "minute": 56}
